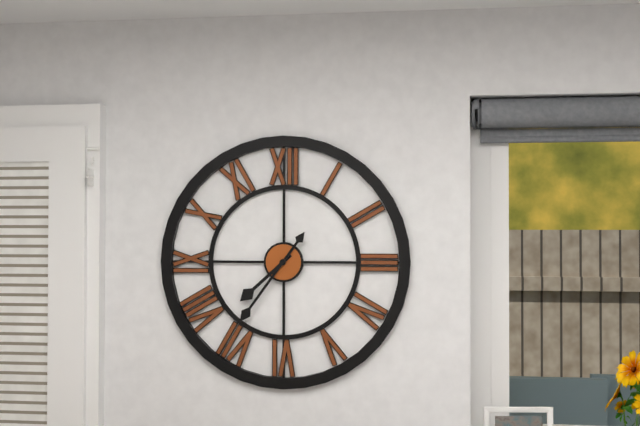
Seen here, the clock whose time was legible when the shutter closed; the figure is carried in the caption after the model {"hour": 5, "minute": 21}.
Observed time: {"hour": 7, "minute": 36}
